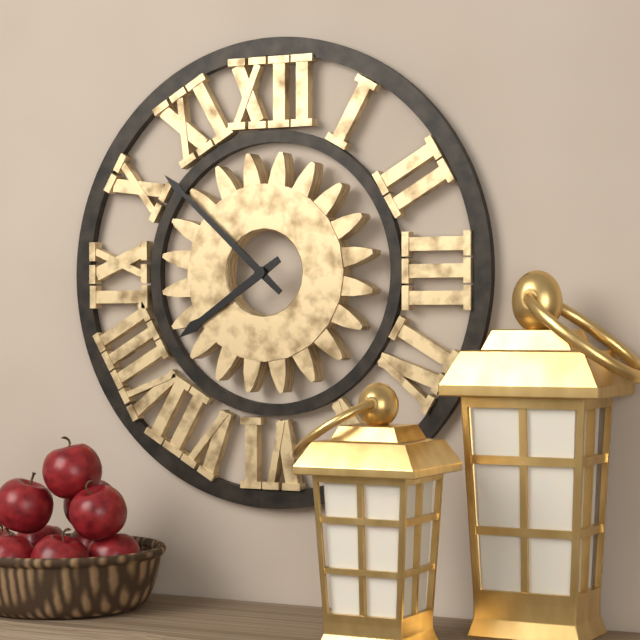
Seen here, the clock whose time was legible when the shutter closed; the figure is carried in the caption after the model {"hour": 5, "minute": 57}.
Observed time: {"hour": 7, "minute": 52}
